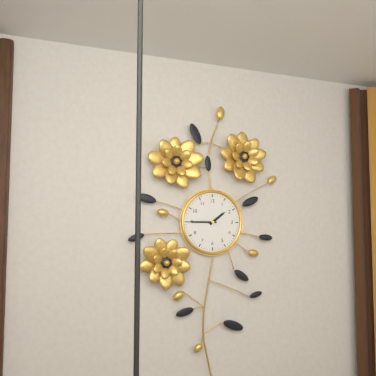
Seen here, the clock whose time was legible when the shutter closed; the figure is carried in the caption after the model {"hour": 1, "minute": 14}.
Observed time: {"hour": 1, "minute": 45}
